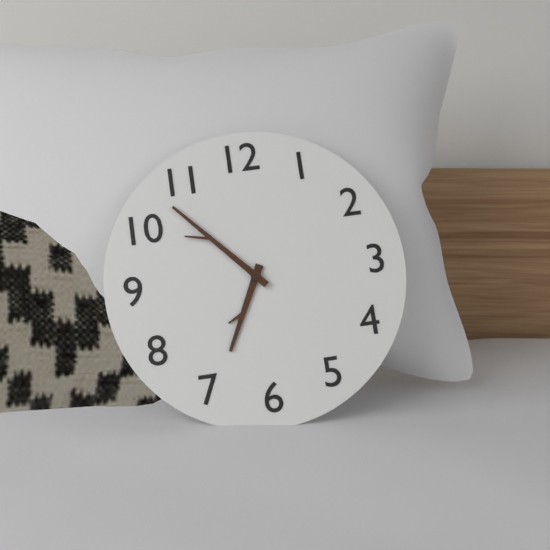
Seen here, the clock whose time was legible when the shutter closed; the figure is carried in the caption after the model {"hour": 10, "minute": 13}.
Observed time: {"hour": 6, "minute": 53}
